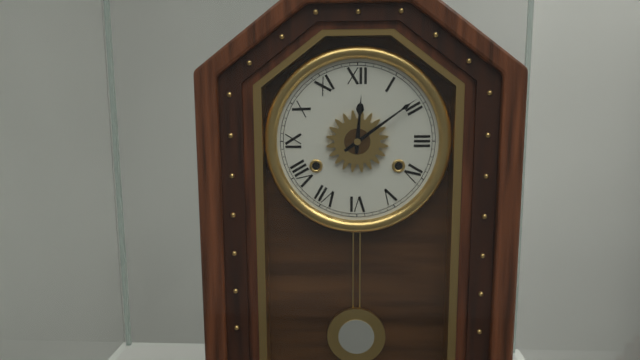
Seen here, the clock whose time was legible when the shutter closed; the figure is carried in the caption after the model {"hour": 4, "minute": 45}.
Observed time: {"hour": 12, "minute": 9}
